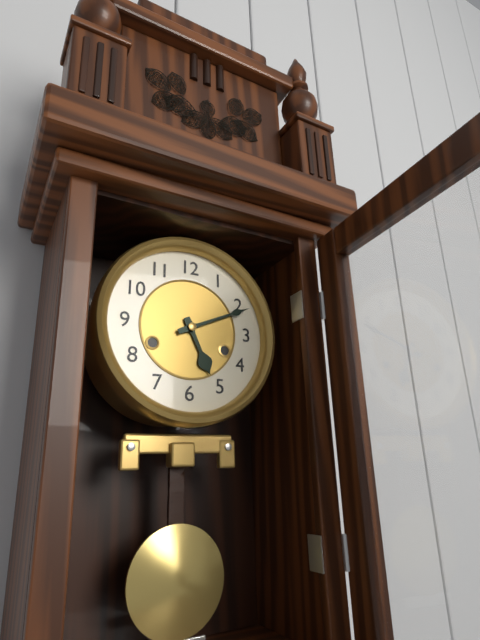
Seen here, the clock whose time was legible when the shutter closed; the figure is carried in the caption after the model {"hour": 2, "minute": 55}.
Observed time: {"hour": 5, "minute": 11}
